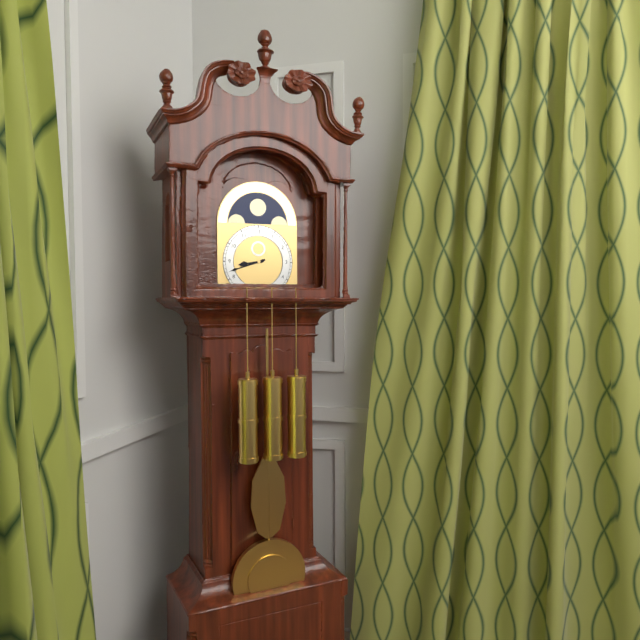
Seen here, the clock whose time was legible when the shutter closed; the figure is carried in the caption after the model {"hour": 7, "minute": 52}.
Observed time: {"hour": 8, "minute": 42}
